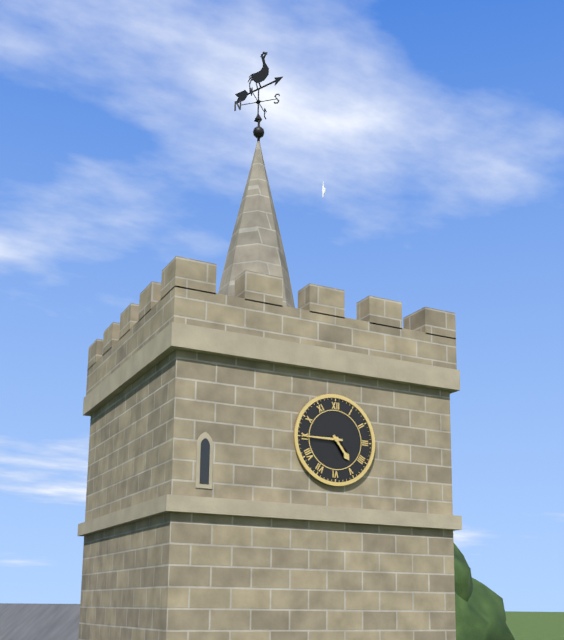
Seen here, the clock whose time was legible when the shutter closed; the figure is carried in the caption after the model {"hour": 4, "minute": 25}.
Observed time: {"hour": 4, "minute": 45}
